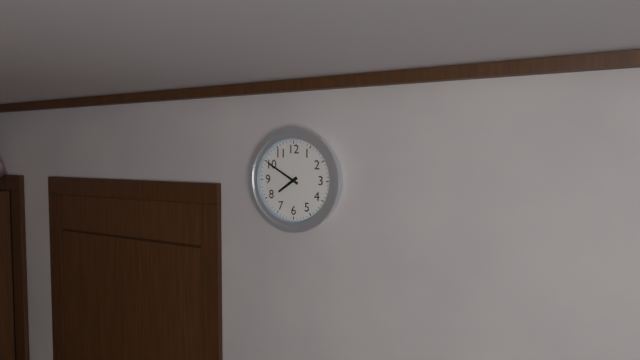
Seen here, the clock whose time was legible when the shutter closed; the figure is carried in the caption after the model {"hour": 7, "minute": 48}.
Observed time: {"hour": 7, "minute": 50}
